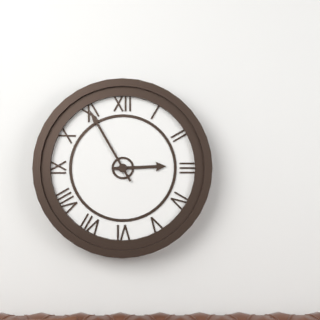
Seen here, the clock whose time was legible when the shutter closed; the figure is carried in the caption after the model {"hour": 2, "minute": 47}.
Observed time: {"hour": 2, "minute": 55}
